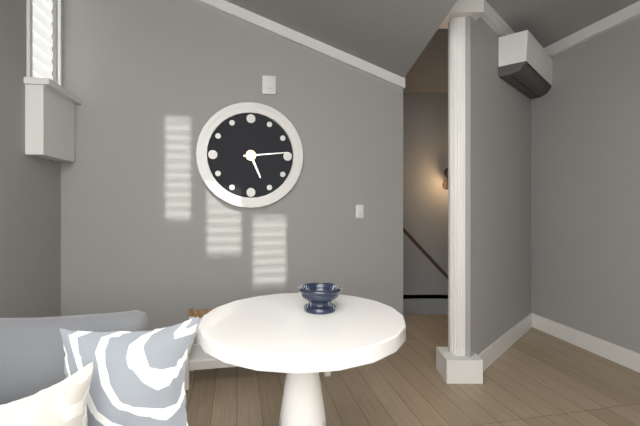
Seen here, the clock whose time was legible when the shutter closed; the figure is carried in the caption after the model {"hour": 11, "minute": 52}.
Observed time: {"hour": 5, "minute": 14}
